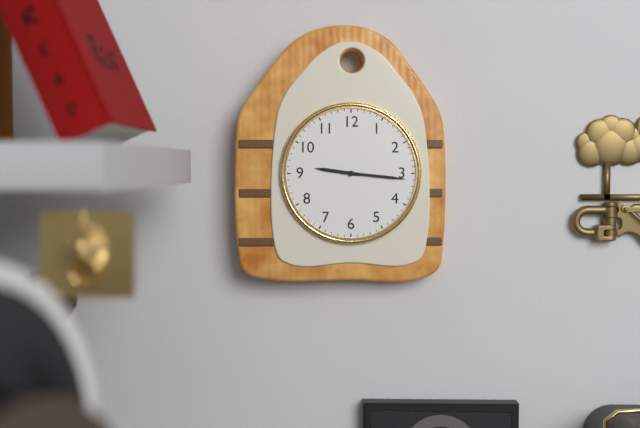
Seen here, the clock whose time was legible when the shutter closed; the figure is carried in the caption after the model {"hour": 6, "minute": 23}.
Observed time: {"hour": 9, "minute": 16}
